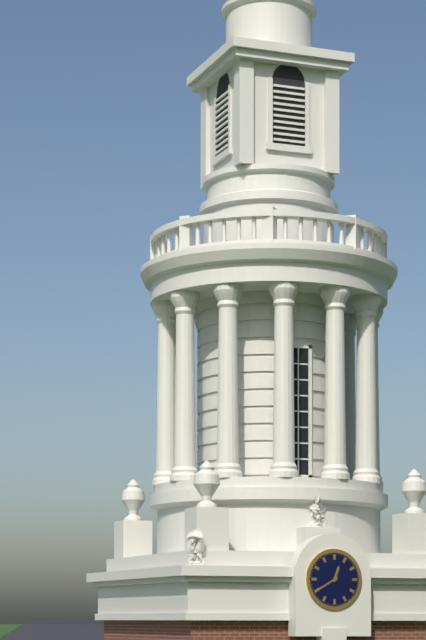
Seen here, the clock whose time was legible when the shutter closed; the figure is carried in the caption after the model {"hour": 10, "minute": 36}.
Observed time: {"hour": 12, "minute": 40}
